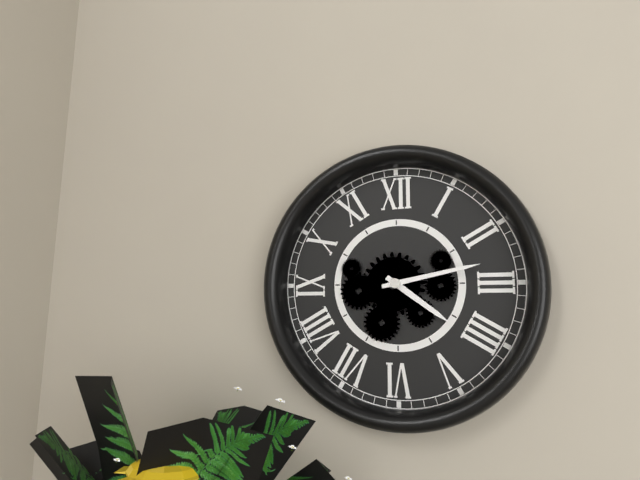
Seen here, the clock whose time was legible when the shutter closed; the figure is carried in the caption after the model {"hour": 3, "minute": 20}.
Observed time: {"hour": 4, "minute": 13}
